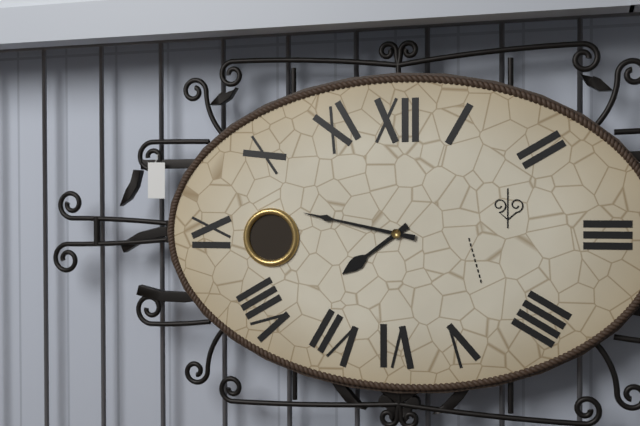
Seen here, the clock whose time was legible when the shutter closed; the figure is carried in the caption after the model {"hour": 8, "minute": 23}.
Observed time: {"hour": 7, "minute": 47}
